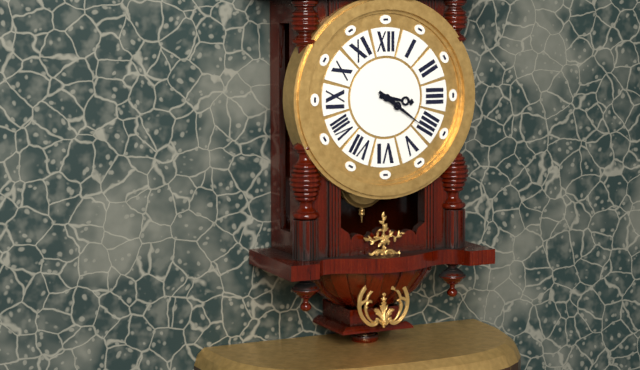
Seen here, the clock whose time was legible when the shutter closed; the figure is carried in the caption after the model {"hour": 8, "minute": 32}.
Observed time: {"hour": 3, "minute": 21}
